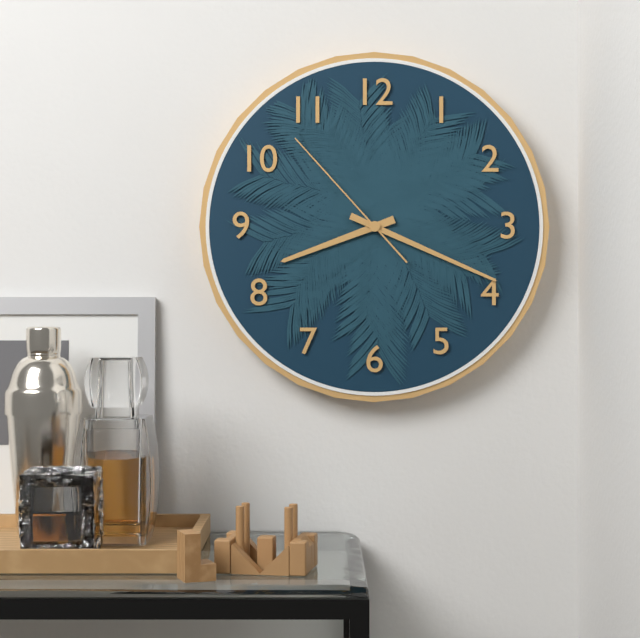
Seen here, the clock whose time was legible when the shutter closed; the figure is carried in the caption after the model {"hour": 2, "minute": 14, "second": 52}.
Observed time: {"hour": 8, "minute": 19, "second": 53}
